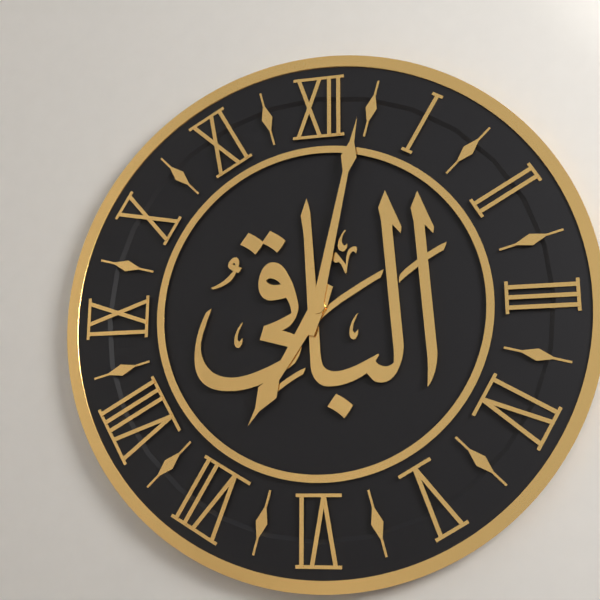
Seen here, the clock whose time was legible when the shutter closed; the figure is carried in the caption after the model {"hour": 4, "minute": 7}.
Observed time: {"hour": 7, "minute": 2}
